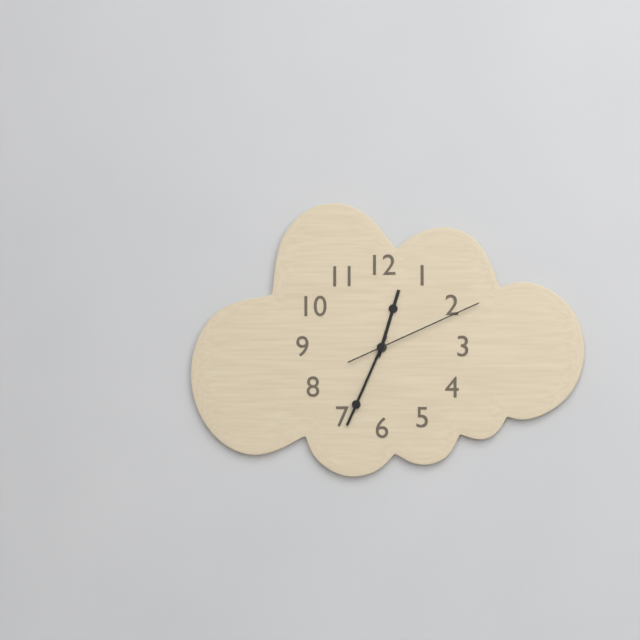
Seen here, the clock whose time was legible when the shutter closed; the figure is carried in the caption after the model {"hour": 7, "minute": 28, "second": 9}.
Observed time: {"hour": 12, "minute": 34, "second": 11}
